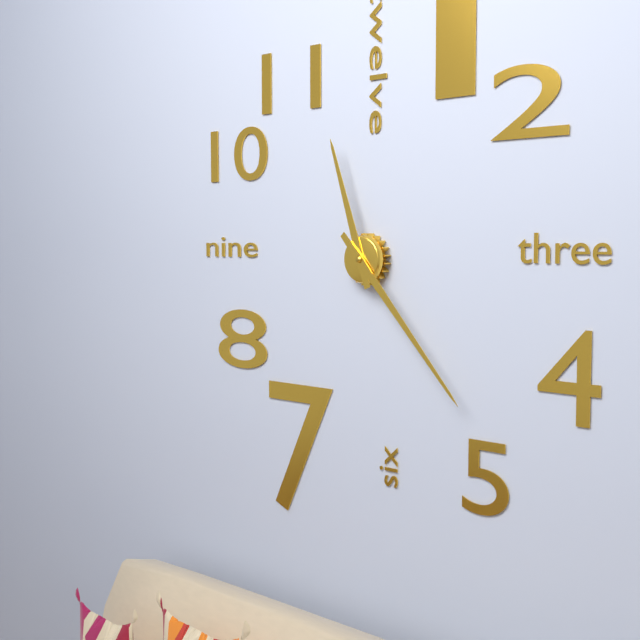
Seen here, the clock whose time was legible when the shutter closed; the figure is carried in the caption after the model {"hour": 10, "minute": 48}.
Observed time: {"hour": 11, "minute": 23}
